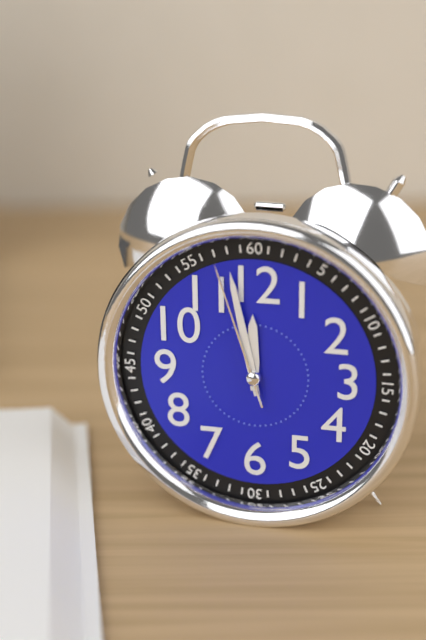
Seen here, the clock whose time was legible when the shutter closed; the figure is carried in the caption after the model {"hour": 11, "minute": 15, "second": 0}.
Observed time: {"hour": 11, "minute": 58, "second": 57}
